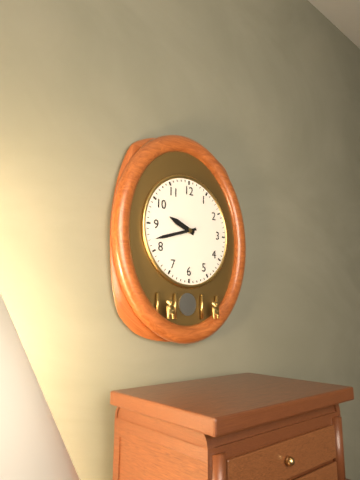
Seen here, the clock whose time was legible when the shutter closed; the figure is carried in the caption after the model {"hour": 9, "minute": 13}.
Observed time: {"hour": 9, "minute": 42}
